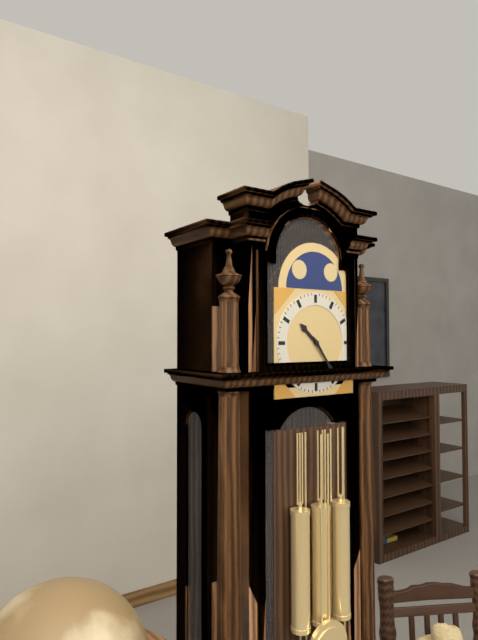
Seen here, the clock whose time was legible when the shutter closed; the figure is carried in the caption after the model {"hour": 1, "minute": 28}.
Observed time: {"hour": 10, "minute": 24}
